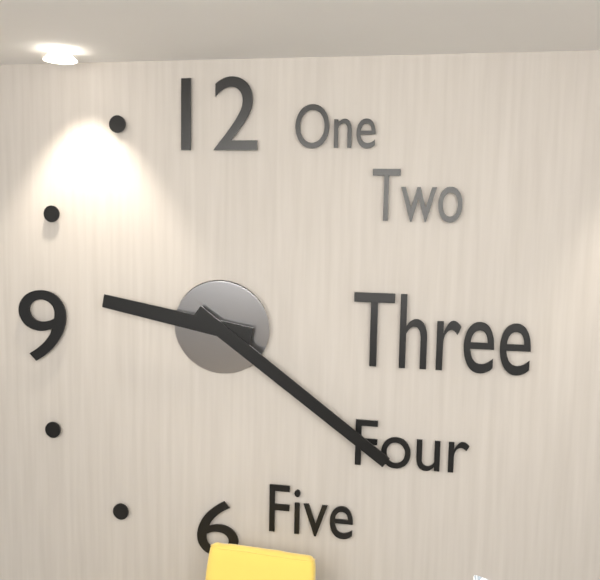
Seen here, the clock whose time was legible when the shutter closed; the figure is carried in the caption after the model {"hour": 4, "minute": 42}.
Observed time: {"hour": 9, "minute": 21}
